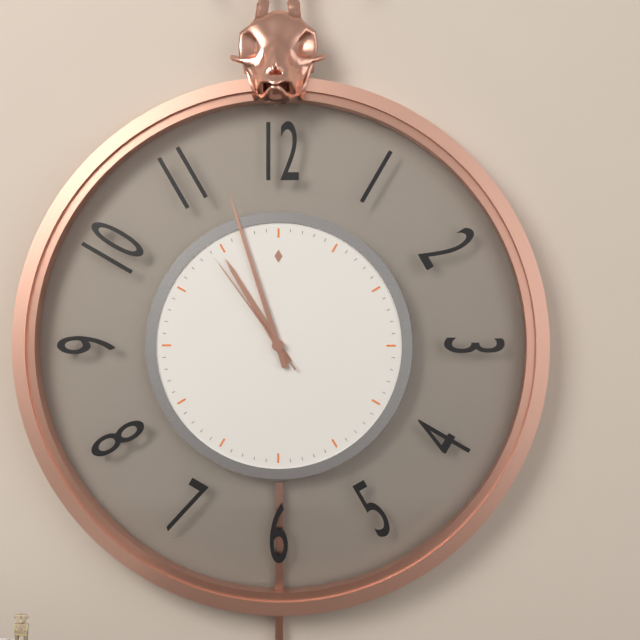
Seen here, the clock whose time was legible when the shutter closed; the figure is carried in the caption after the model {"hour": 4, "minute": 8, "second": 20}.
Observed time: {"hour": 10, "minute": 57, "second": 54}
